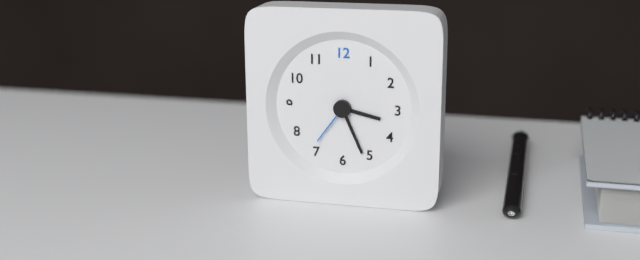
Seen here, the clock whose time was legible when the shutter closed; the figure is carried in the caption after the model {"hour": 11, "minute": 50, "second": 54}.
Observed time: {"hour": 3, "minute": 26, "second": 36}
